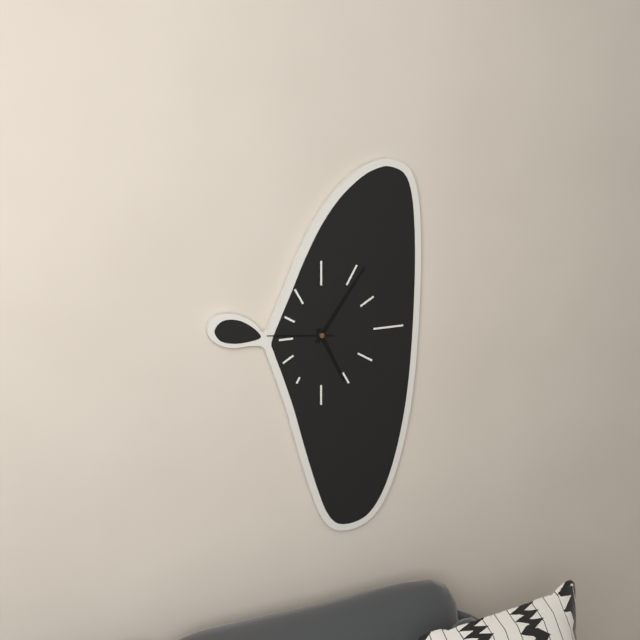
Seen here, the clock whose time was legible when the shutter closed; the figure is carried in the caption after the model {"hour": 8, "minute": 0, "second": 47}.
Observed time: {"hour": 5, "minute": 6, "second": 46}
